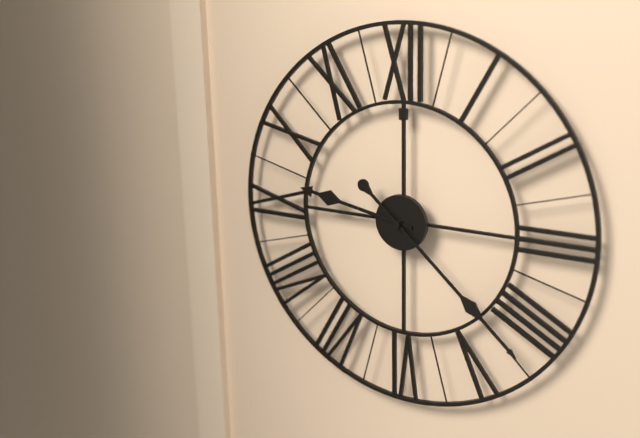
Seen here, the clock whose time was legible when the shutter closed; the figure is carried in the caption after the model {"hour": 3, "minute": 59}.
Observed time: {"hour": 9, "minute": 22}
